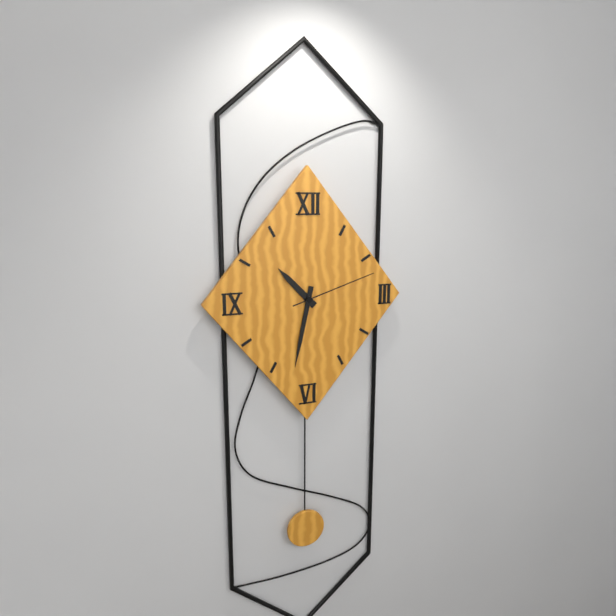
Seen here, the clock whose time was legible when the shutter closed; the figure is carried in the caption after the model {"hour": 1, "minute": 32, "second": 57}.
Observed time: {"hour": 10, "minute": 32, "second": 12}
